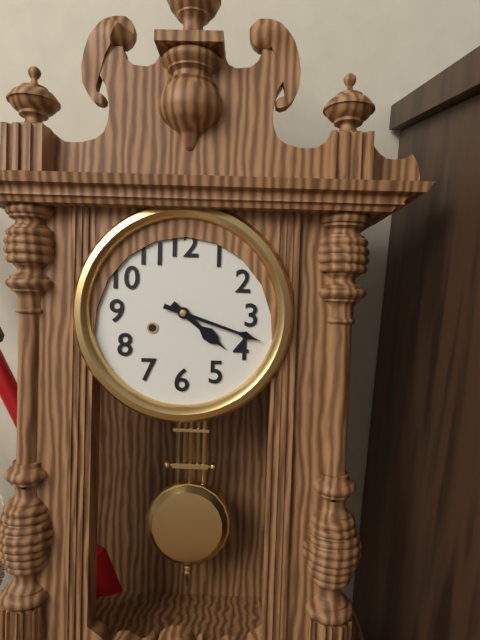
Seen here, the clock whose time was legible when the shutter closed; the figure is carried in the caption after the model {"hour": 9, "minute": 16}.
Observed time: {"hour": 4, "minute": 18}
